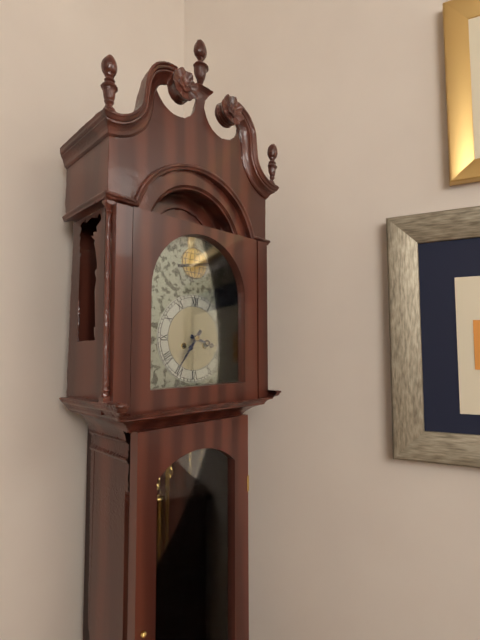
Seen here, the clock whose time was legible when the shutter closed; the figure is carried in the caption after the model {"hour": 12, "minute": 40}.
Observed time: {"hour": 3, "minute": 36}
